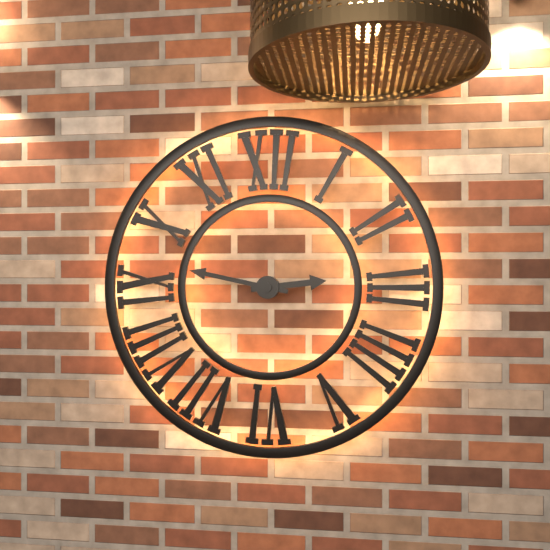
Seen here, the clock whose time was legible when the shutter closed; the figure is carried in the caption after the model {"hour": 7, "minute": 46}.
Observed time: {"hour": 2, "minute": 47}
